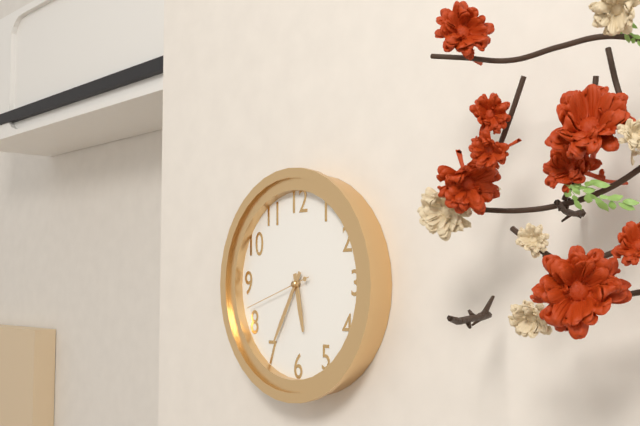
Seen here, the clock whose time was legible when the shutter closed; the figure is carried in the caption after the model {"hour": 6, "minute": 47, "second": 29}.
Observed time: {"hour": 5, "minute": 35, "second": 42}
